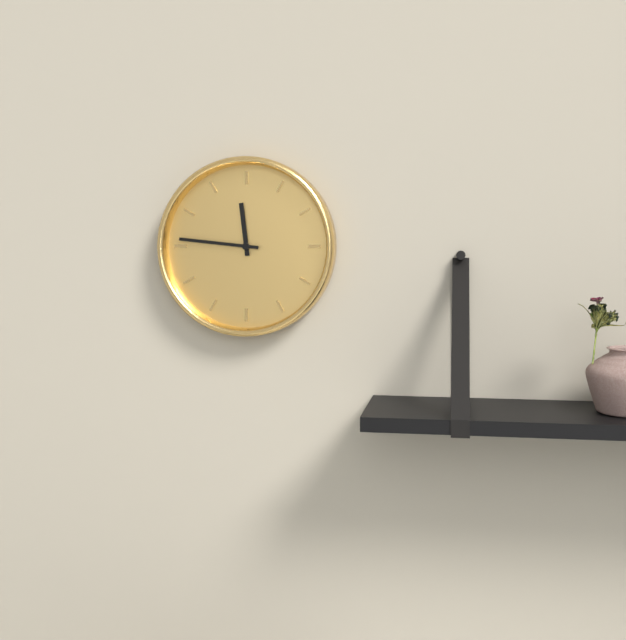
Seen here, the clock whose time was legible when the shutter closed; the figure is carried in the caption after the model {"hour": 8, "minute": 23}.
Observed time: {"hour": 11, "minute": 46}
